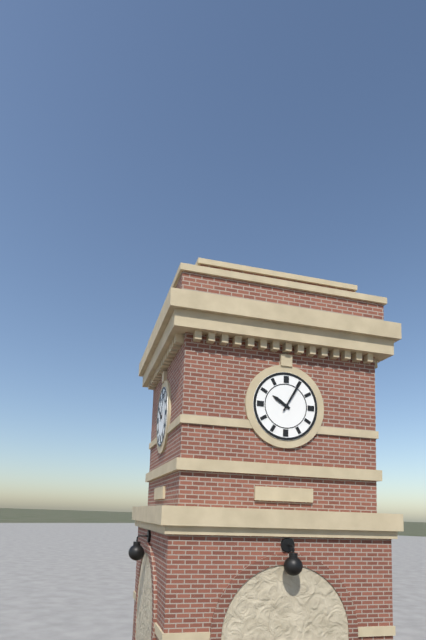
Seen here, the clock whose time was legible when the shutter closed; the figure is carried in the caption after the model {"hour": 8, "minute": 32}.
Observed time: {"hour": 10, "minute": 5}
